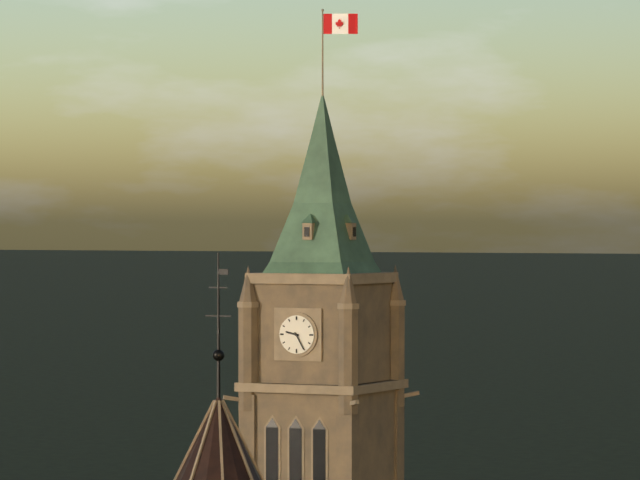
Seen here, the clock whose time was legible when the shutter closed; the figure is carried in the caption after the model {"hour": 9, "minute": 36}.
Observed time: {"hour": 9, "minute": 25}
